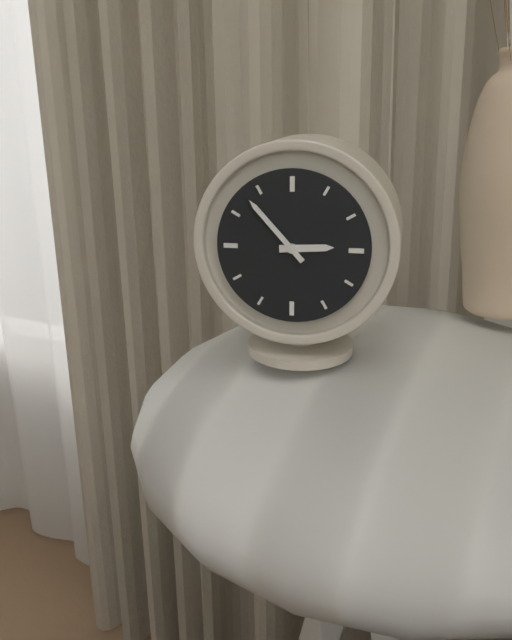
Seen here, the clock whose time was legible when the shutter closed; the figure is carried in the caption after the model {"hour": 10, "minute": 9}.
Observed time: {"hour": 2, "minute": 53}
